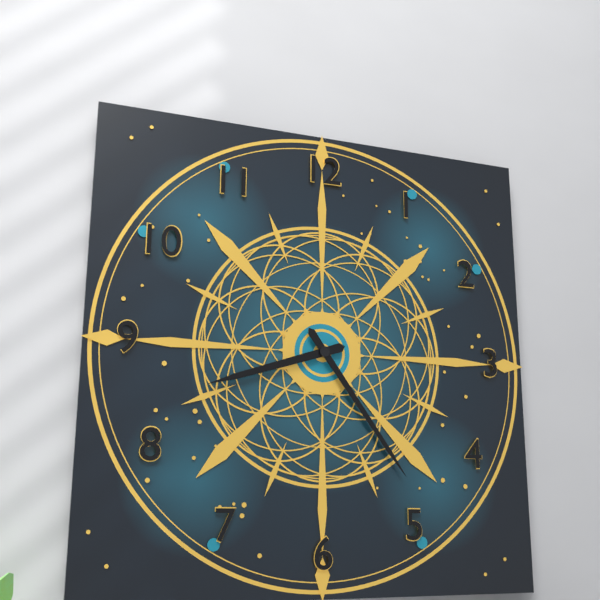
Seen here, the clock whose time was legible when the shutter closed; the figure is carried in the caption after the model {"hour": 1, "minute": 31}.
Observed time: {"hour": 8, "minute": 24}
